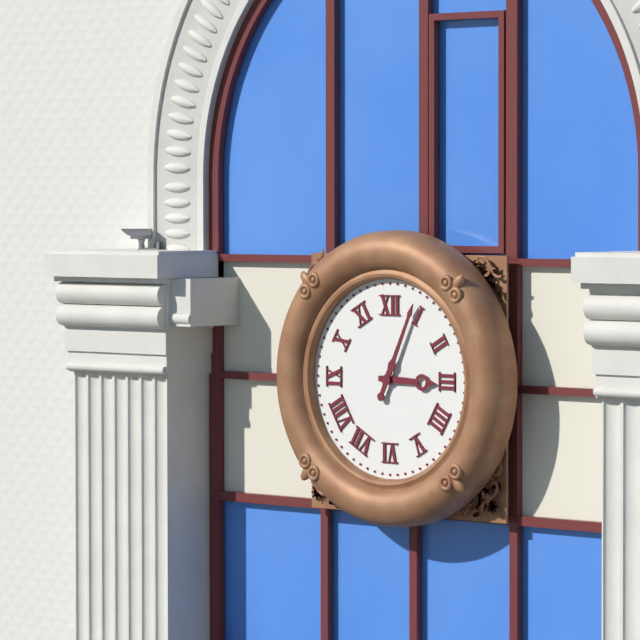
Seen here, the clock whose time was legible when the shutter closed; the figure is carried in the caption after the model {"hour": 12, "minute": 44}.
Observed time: {"hour": 3, "minute": 4}
